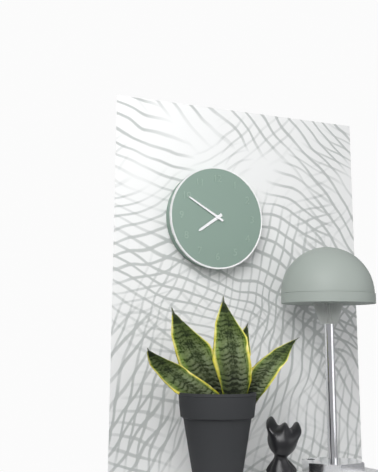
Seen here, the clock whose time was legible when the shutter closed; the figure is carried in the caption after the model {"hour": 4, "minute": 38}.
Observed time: {"hour": 7, "minute": 50}
